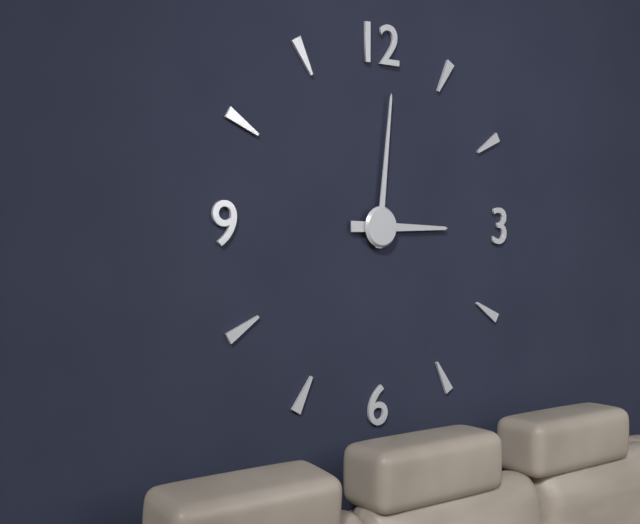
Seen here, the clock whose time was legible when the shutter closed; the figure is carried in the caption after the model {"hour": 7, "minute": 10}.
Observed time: {"hour": 3, "minute": 1}
